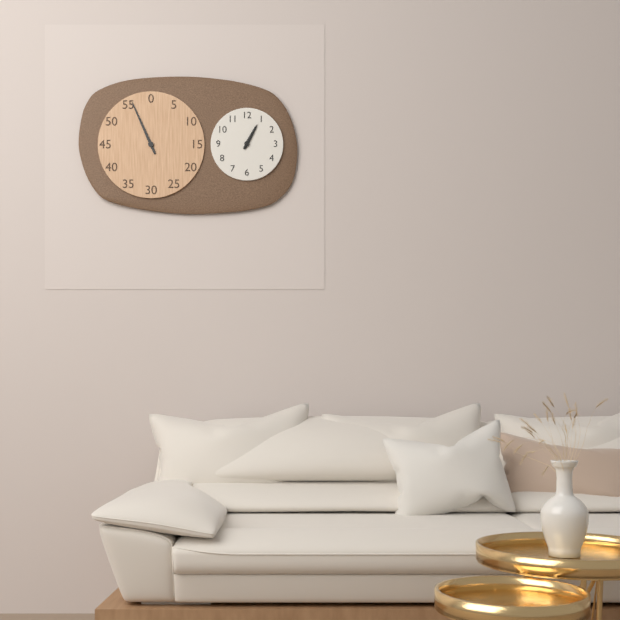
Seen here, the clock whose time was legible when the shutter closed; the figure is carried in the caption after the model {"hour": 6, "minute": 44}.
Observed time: {"hour": 12, "minute": 56}
